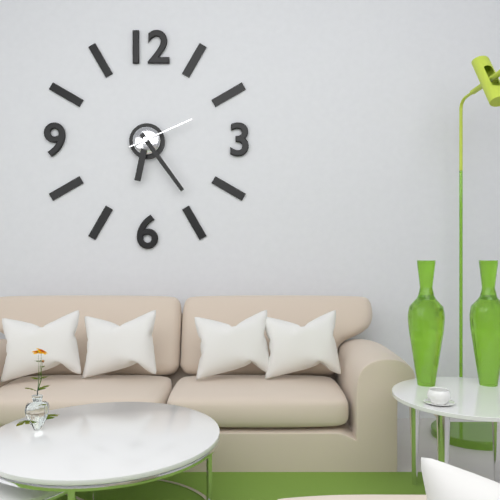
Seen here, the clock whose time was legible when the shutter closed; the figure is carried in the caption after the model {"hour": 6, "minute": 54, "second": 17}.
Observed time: {"hour": 6, "minute": 24, "second": 11}
